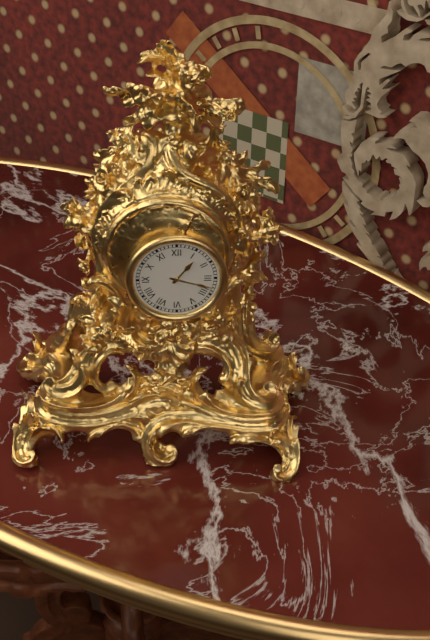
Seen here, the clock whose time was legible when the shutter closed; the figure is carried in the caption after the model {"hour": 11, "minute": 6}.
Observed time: {"hour": 1, "minute": 18}
